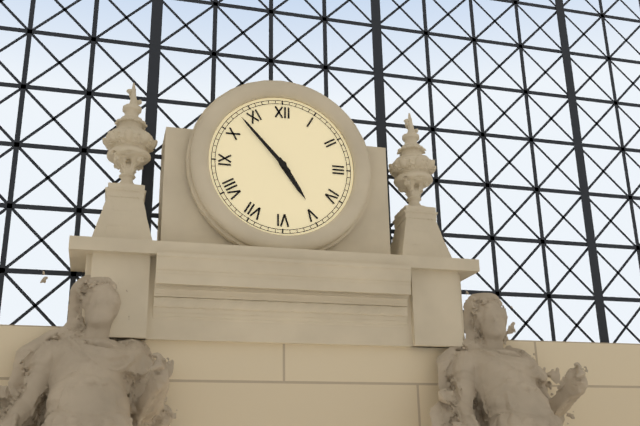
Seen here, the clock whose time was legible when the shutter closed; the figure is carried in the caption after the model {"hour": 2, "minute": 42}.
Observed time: {"hour": 4, "minute": 53}
